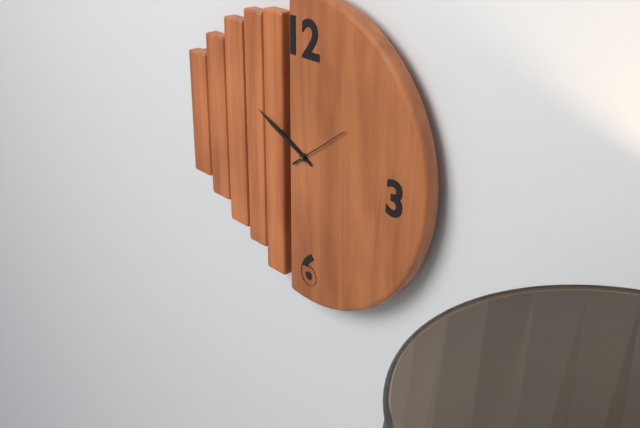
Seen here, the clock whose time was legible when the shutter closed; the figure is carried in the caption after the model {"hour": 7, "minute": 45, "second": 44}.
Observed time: {"hour": 9, "minute": 49, "second": 9}
